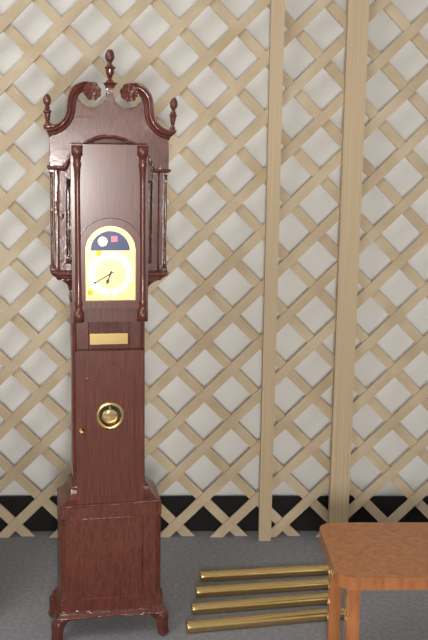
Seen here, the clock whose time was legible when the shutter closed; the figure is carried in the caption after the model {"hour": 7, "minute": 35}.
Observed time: {"hour": 6, "minute": 40}
